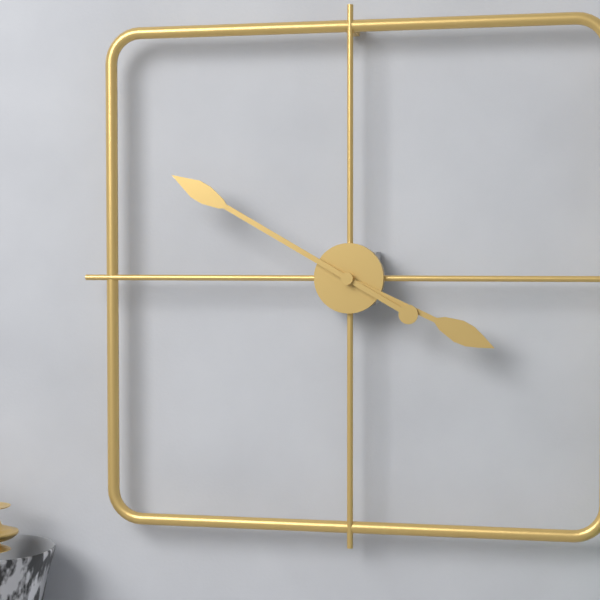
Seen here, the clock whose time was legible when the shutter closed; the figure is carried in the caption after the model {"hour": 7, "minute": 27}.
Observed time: {"hour": 3, "minute": 50}
